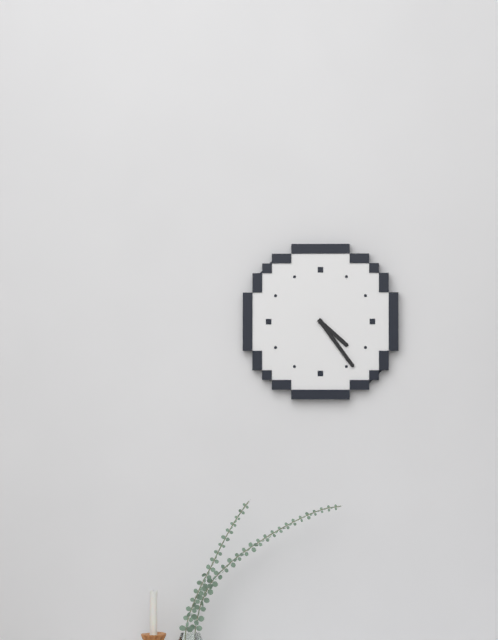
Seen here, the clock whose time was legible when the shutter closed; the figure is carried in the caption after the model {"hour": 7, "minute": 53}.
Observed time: {"hour": 4, "minute": 24}
